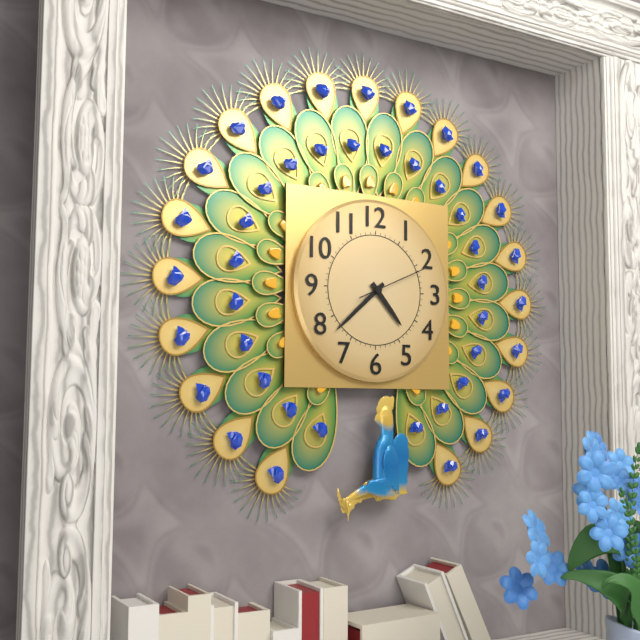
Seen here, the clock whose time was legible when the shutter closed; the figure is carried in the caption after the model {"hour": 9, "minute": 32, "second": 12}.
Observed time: {"hour": 4, "minute": 38, "second": 11}
